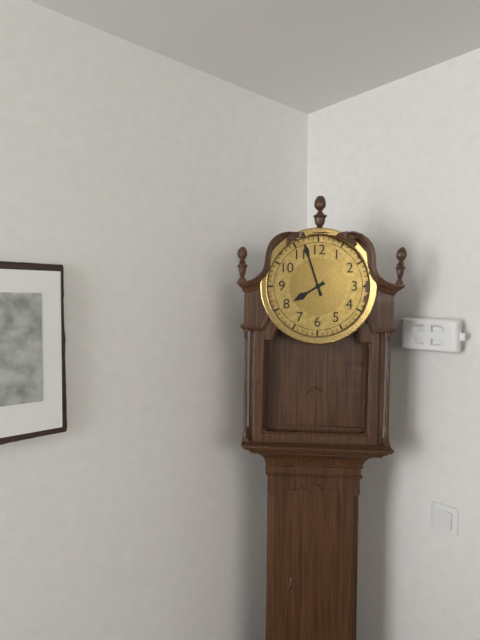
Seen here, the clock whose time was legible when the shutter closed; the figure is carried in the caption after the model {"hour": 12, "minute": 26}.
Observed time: {"hour": 7, "minute": 57}
